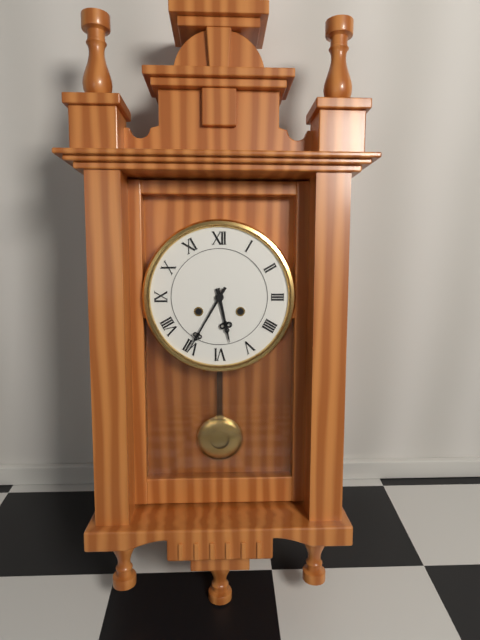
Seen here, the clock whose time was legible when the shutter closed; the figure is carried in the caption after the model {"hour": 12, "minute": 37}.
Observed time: {"hour": 5, "minute": 35}
